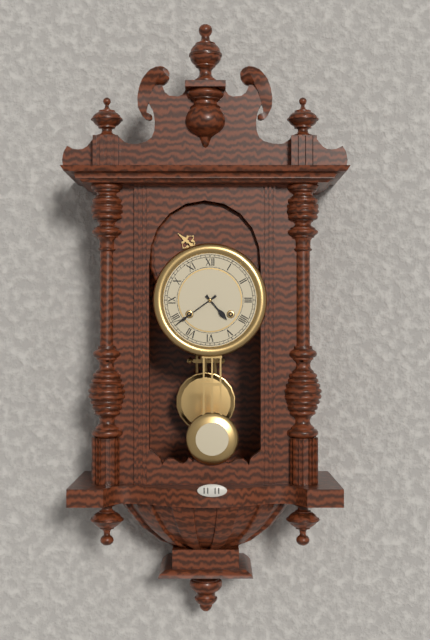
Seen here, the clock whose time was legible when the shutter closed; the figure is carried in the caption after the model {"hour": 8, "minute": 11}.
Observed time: {"hour": 4, "minute": 39}
